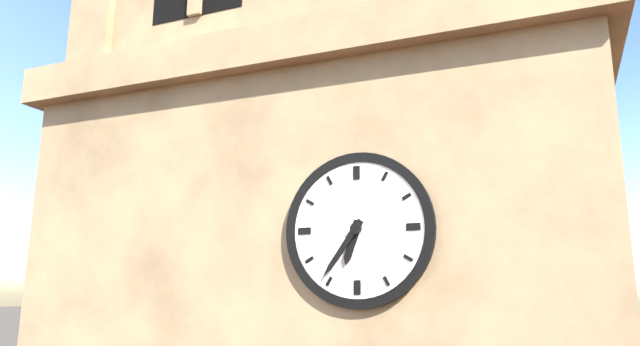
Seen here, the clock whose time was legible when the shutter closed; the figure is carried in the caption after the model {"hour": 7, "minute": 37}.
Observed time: {"hour": 6, "minute": 36}
